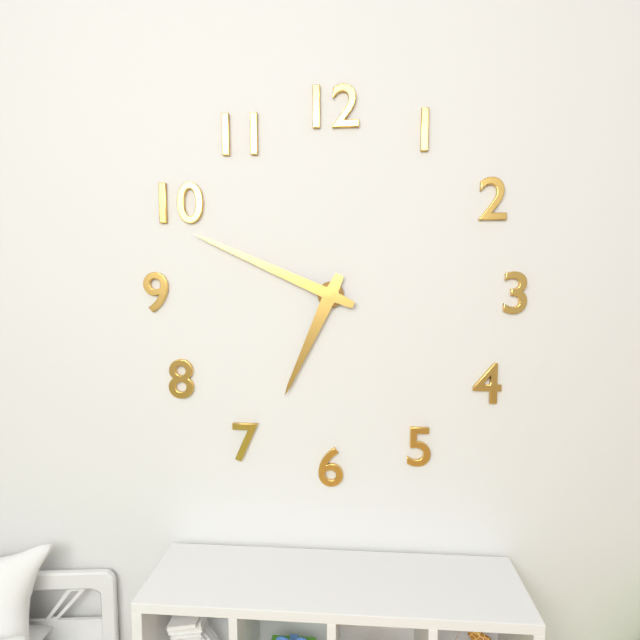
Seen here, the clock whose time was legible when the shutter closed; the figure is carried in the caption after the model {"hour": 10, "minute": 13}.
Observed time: {"hour": 6, "minute": 49}
